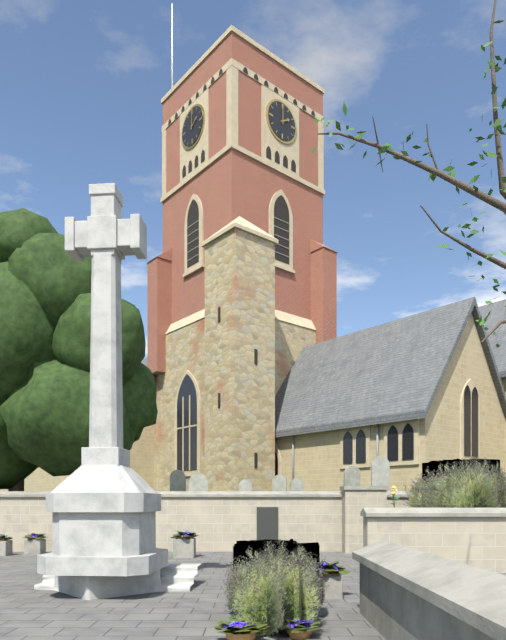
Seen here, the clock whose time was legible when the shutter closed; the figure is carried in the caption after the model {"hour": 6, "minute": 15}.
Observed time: {"hour": 2, "minute": 0}
